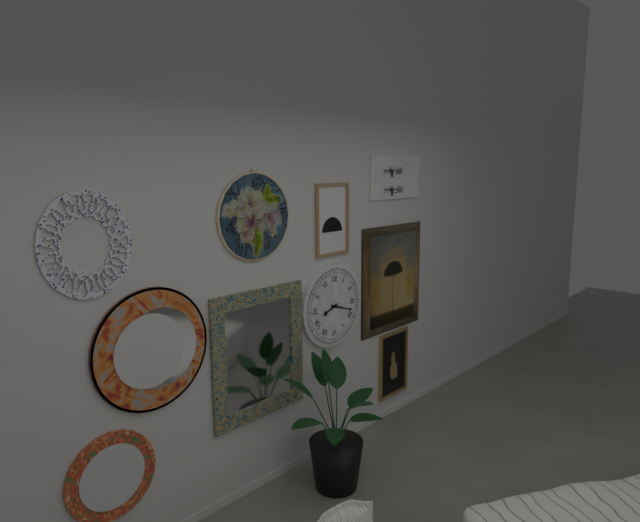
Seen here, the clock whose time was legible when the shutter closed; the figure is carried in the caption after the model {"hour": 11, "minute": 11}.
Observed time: {"hour": 8, "minute": 18}
